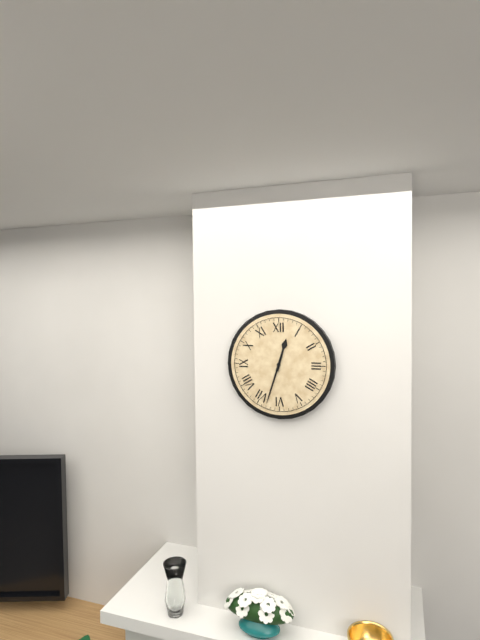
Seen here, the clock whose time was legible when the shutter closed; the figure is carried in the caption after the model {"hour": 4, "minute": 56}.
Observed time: {"hour": 12, "minute": 33}
